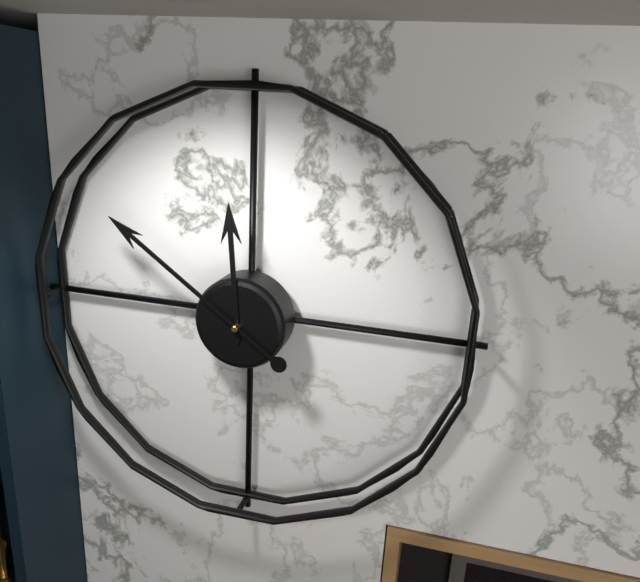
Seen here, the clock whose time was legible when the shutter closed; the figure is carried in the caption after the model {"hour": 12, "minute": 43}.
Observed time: {"hour": 11, "minute": 51}
